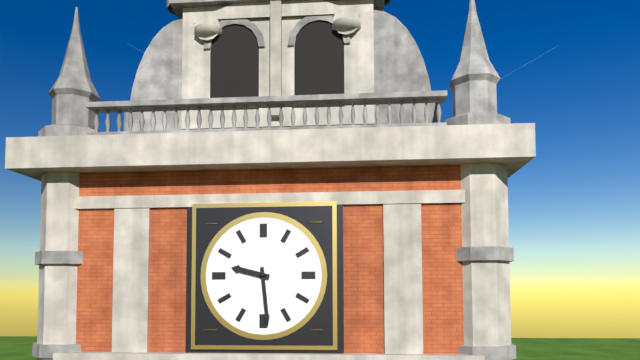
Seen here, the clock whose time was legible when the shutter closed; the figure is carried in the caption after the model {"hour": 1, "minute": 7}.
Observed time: {"hour": 9, "minute": 29}
